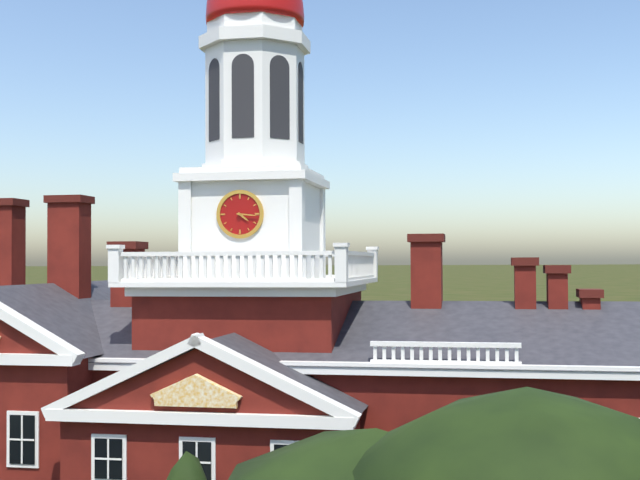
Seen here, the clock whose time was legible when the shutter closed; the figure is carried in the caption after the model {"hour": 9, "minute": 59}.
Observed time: {"hour": 4, "minute": 16}
